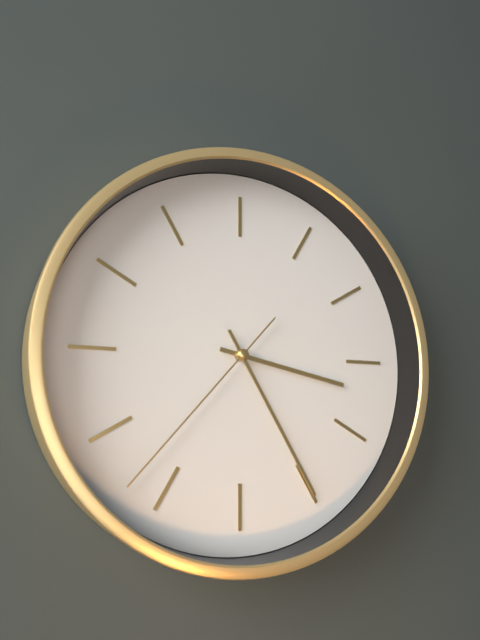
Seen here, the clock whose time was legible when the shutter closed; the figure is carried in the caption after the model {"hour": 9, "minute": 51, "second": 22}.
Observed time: {"hour": 3, "minute": 25, "second": 37}
